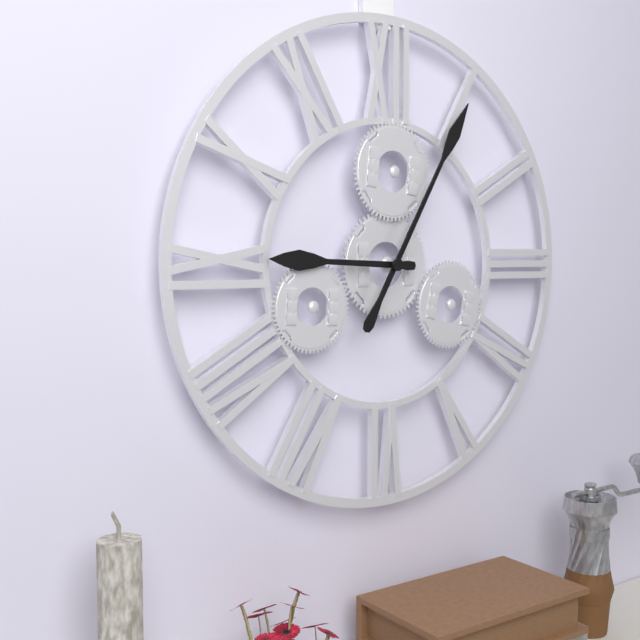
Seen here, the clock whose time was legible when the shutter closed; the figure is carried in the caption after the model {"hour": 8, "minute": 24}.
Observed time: {"hour": 9, "minute": 5}
